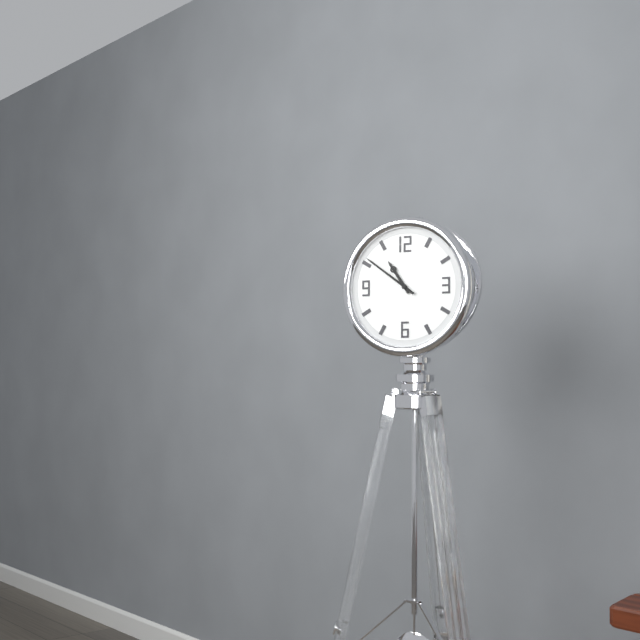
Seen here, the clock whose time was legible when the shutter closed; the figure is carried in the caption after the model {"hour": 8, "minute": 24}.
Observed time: {"hour": 10, "minute": 51}
